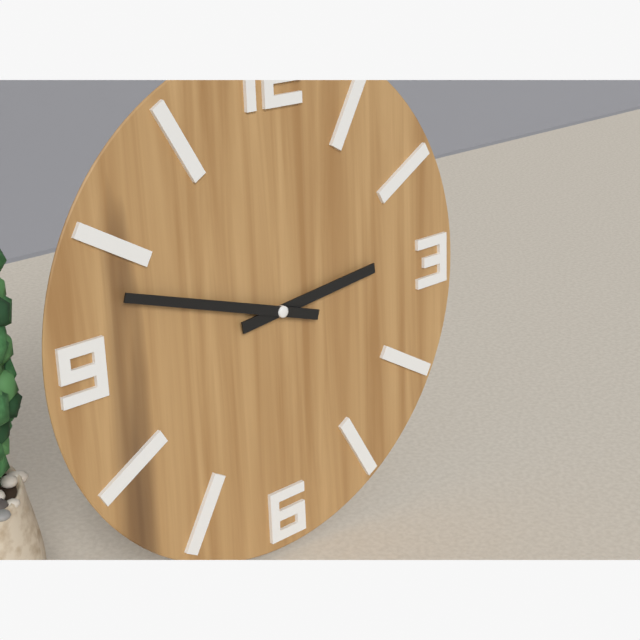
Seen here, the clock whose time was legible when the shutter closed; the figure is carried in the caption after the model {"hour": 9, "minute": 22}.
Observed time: {"hour": 2, "minute": 48}
